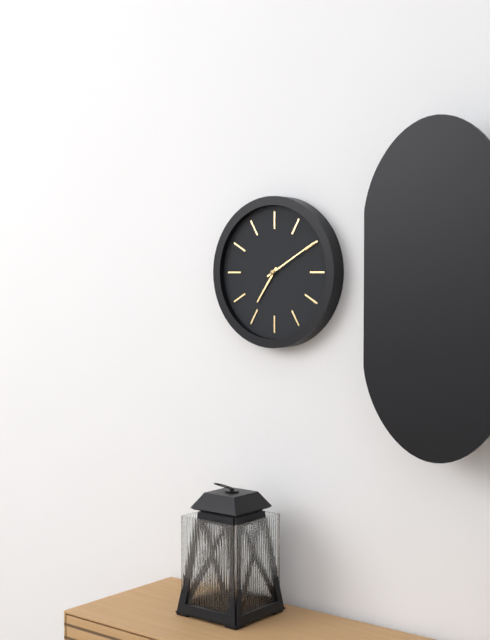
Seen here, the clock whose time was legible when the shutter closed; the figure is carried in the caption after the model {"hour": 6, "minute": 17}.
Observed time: {"hour": 7, "minute": 10}
